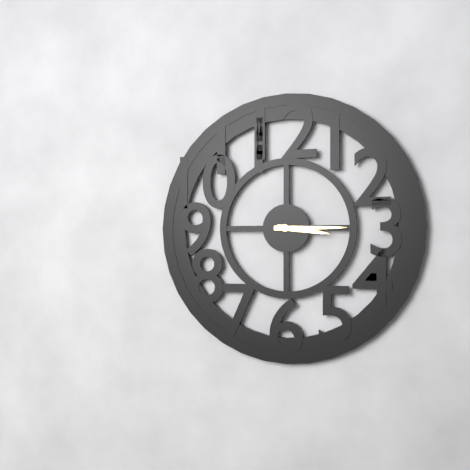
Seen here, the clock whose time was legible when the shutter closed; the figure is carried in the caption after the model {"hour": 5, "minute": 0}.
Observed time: {"hour": 3, "minute": 15}
